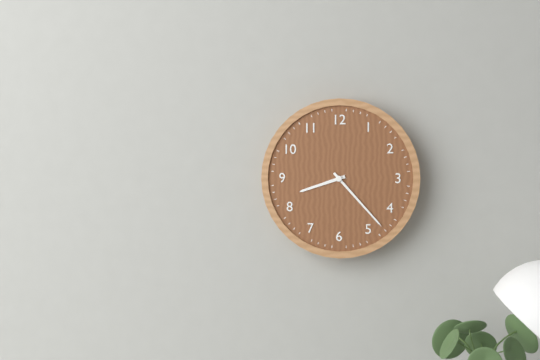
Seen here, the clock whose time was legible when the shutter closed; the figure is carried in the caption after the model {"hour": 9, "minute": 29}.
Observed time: {"hour": 8, "minute": 23}
